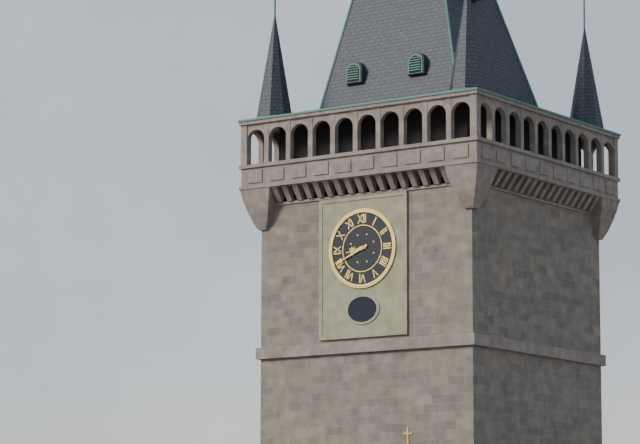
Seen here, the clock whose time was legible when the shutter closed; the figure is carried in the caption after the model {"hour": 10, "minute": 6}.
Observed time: {"hour": 8, "minute": 41}
